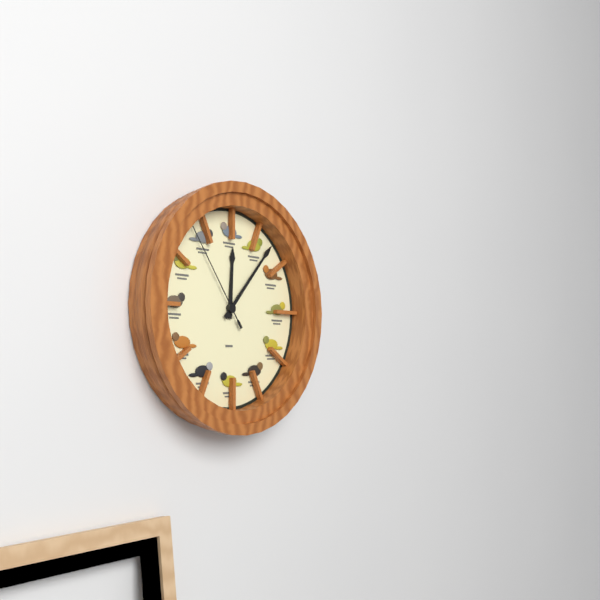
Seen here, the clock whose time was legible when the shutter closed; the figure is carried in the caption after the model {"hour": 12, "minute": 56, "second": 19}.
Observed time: {"hour": 12, "minute": 7, "second": 54}
